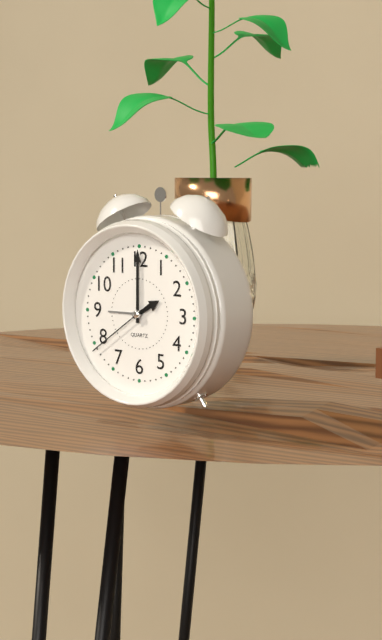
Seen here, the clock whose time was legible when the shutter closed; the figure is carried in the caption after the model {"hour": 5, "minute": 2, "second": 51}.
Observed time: {"hour": 2, "minute": 0, "second": 39}
